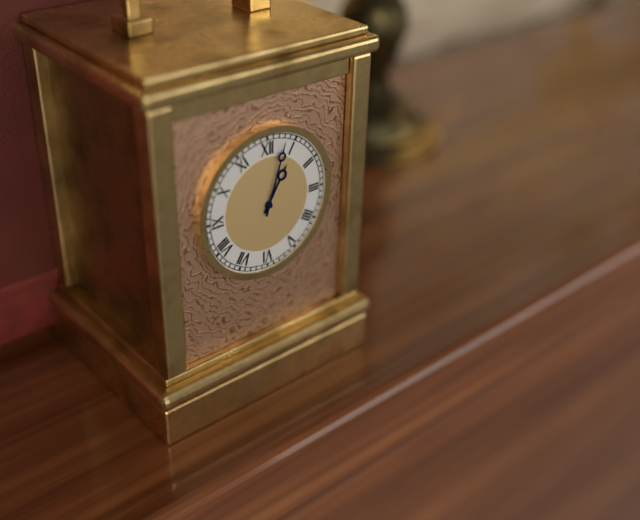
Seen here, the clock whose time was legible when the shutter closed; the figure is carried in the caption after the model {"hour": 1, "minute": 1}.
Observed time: {"hour": 1, "minute": 3}
